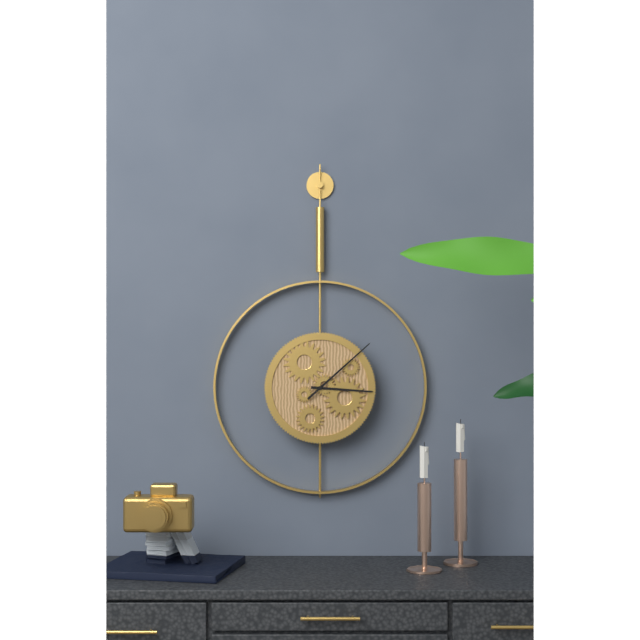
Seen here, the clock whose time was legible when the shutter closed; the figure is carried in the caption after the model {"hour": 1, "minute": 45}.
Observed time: {"hour": 3, "minute": 8}
